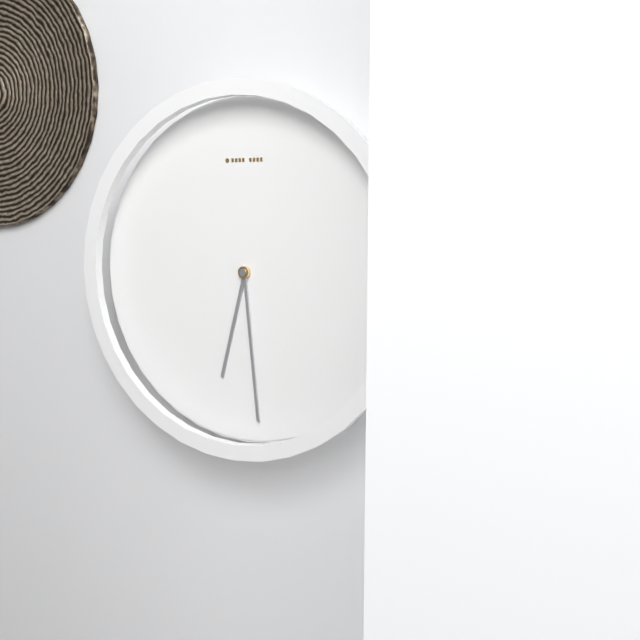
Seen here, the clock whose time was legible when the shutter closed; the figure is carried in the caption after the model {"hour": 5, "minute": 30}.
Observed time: {"hour": 6, "minute": 29}
